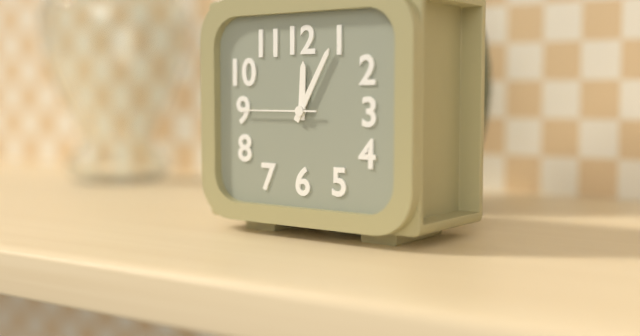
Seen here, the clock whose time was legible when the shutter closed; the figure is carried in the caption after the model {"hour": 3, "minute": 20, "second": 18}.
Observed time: {"hour": 12, "minute": 5, "second": 45}
